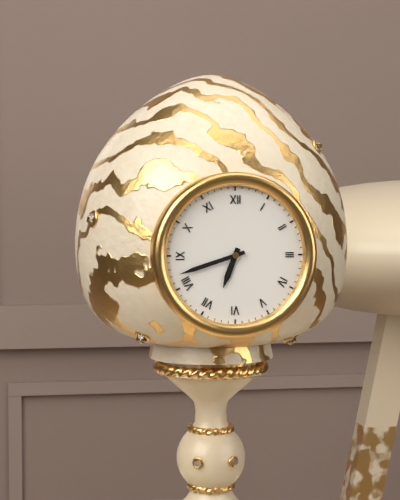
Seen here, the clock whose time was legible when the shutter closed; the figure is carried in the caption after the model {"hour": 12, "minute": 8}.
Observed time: {"hour": 6, "minute": 42}
